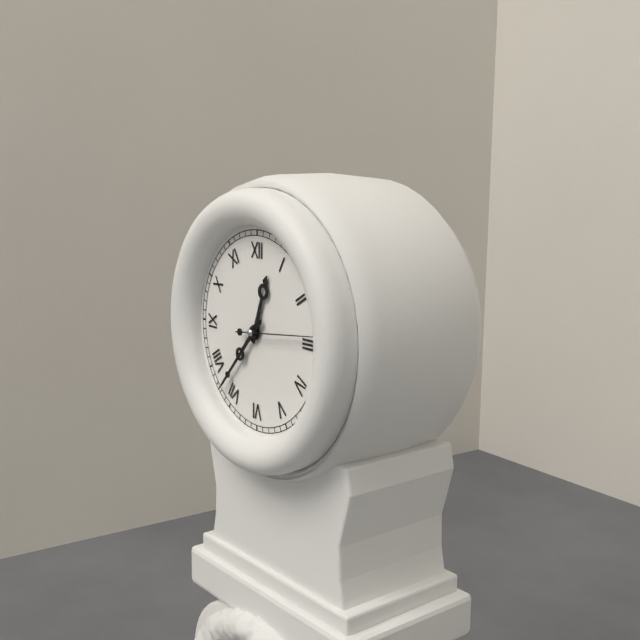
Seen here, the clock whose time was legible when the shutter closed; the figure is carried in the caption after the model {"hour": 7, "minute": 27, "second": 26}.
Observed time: {"hour": 12, "minute": 37, "second": 14}
